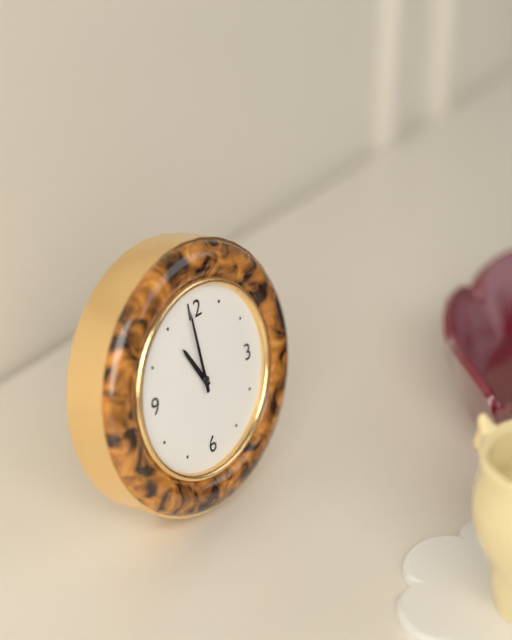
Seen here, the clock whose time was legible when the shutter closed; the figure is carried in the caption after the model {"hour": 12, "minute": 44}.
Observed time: {"hour": 10, "minute": 59}
